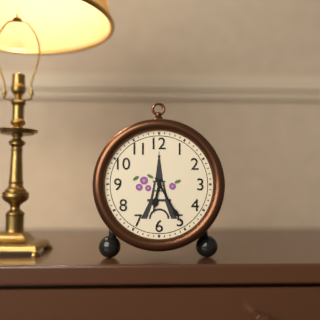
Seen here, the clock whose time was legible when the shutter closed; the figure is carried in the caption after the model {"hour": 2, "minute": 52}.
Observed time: {"hour": 6, "minute": 25}
